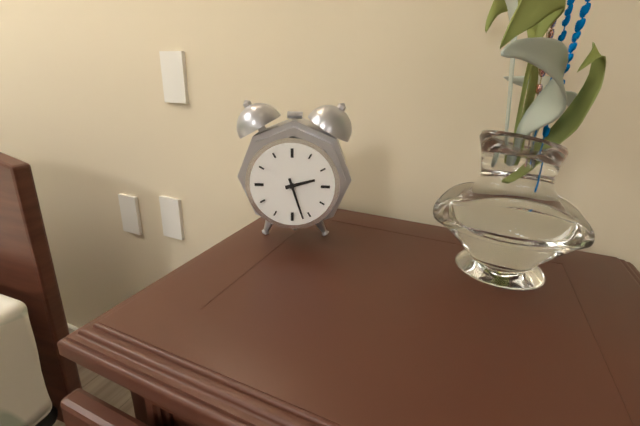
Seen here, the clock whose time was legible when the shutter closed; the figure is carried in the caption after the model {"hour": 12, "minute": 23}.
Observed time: {"hour": 2, "minute": 27}
